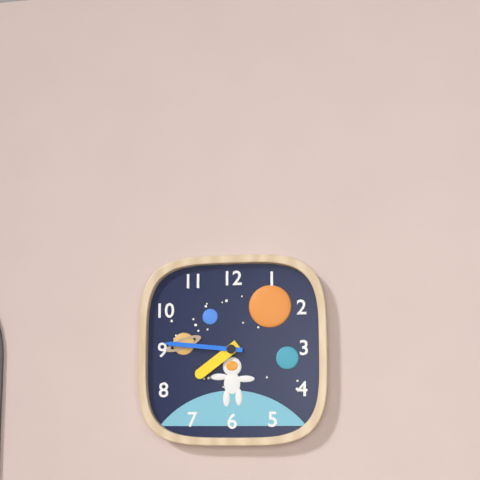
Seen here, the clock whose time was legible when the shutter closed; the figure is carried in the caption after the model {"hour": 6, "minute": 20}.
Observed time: {"hour": 7, "minute": 46}
